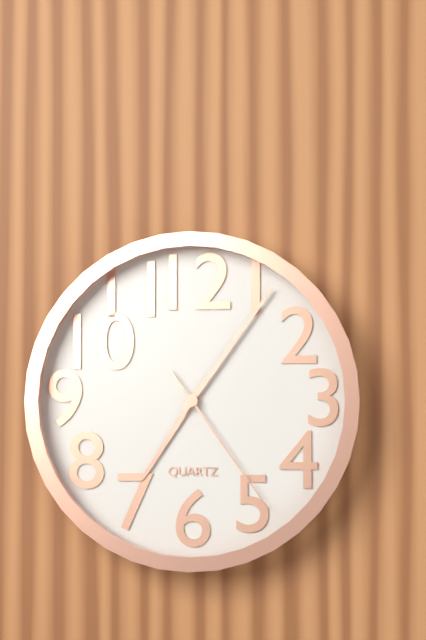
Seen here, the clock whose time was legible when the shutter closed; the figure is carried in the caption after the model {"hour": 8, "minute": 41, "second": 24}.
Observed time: {"hour": 7, "minute": 6, "second": 24}
